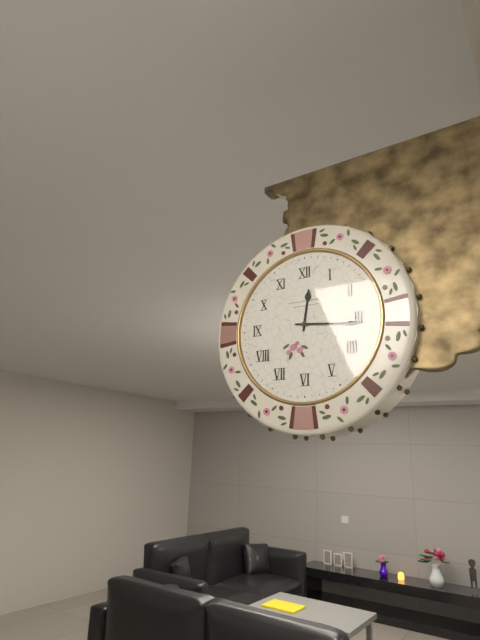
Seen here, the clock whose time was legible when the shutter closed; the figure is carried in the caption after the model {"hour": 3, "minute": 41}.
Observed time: {"hour": 12, "minute": 16}
